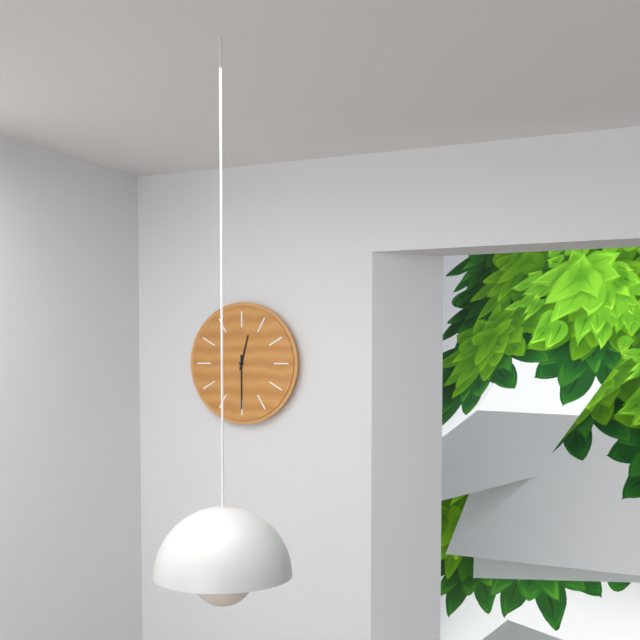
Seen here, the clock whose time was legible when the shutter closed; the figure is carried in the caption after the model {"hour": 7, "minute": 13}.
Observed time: {"hour": 12, "minute": 30}
